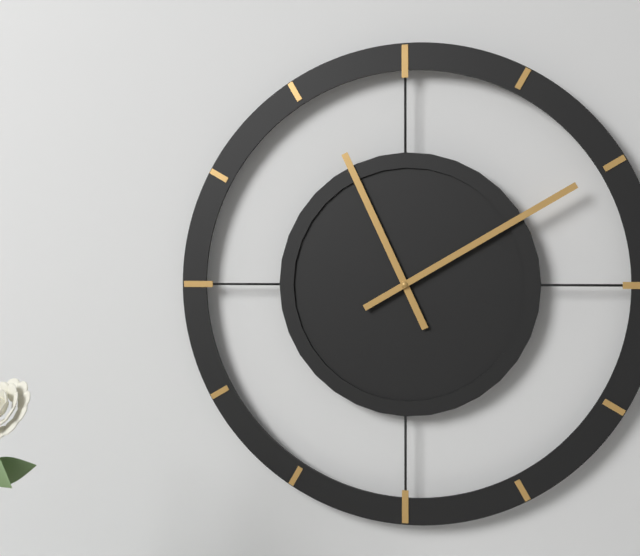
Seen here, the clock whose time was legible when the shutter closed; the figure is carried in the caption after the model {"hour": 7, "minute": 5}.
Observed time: {"hour": 11, "minute": 10}
